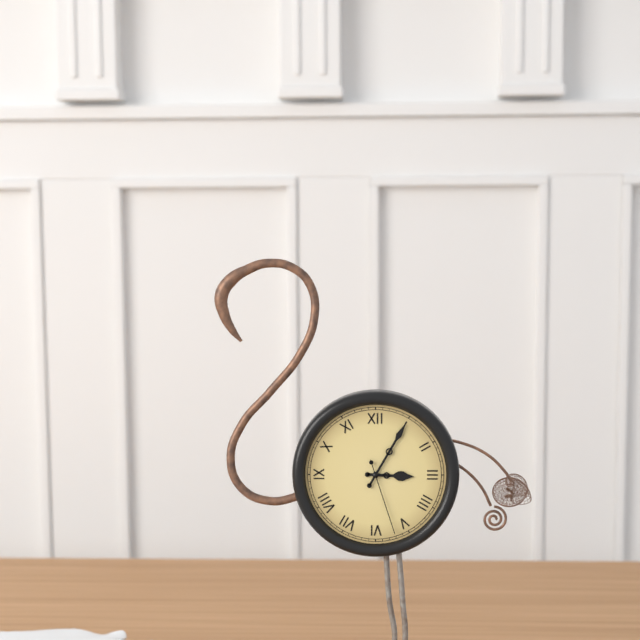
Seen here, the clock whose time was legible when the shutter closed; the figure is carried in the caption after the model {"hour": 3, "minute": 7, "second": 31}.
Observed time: {"hour": 3, "minute": 5, "second": 27}
